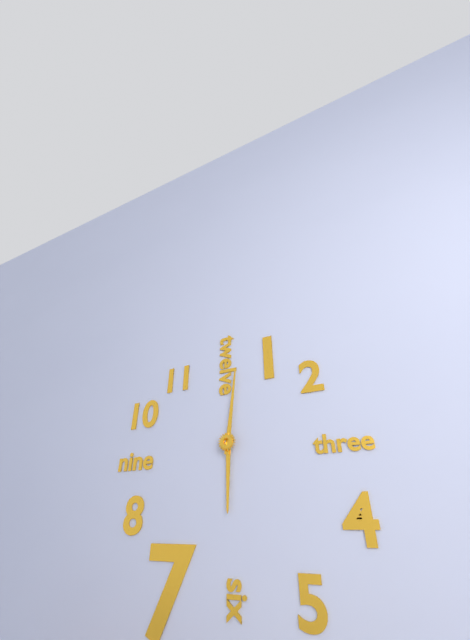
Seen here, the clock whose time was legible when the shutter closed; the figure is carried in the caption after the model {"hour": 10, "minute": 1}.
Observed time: {"hour": 6, "minute": 1}
